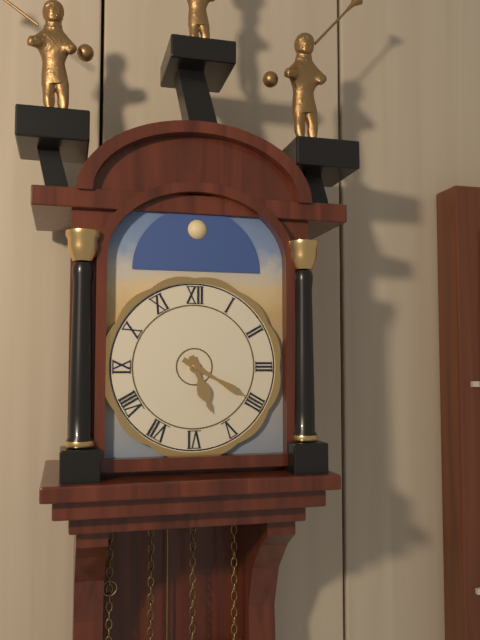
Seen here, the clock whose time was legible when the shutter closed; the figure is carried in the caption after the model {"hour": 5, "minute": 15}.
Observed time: {"hour": 5, "minute": 20}
